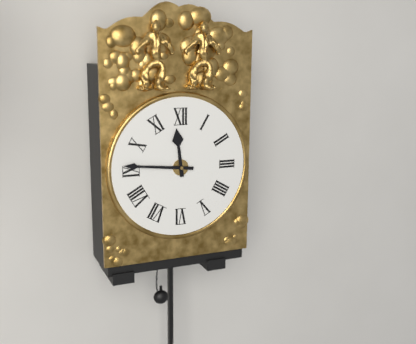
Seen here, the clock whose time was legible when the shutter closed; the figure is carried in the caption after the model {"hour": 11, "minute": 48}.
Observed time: {"hour": 11, "minute": 46}
